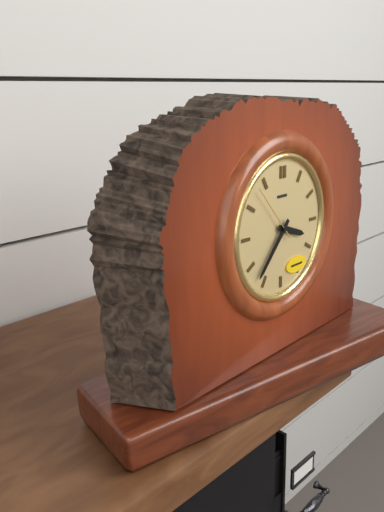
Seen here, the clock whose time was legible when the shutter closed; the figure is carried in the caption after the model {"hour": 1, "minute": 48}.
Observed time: {"hour": 3, "minute": 37}
